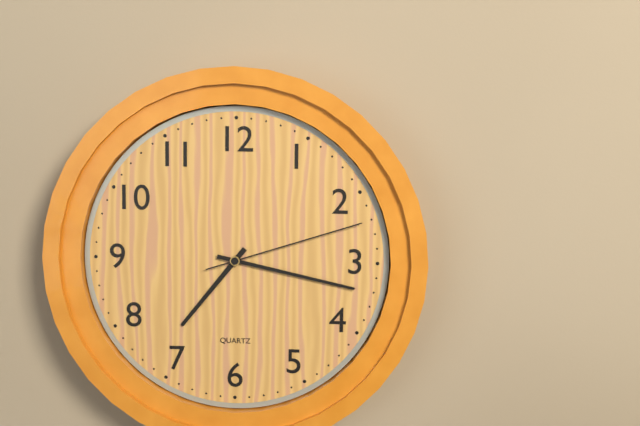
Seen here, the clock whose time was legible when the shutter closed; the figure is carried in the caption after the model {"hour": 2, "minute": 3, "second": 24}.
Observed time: {"hour": 7, "minute": 17, "second": 12}
